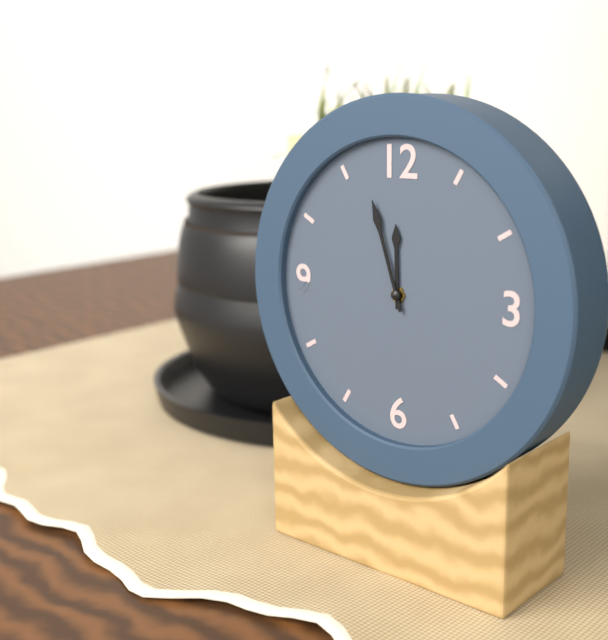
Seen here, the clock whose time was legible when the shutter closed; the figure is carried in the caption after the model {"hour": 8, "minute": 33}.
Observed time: {"hour": 11, "minute": 57}
